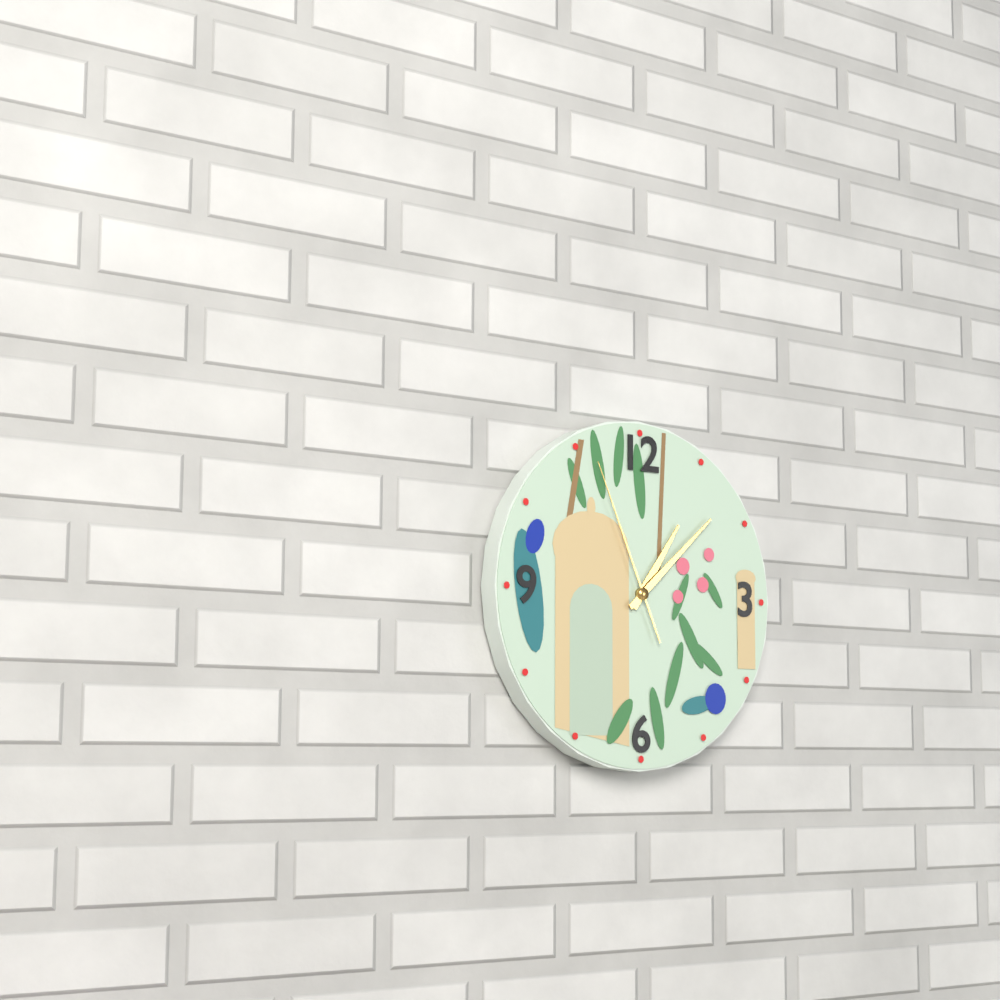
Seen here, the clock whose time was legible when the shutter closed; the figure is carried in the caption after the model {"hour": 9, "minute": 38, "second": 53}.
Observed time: {"hour": 1, "minute": 8, "second": 56}
